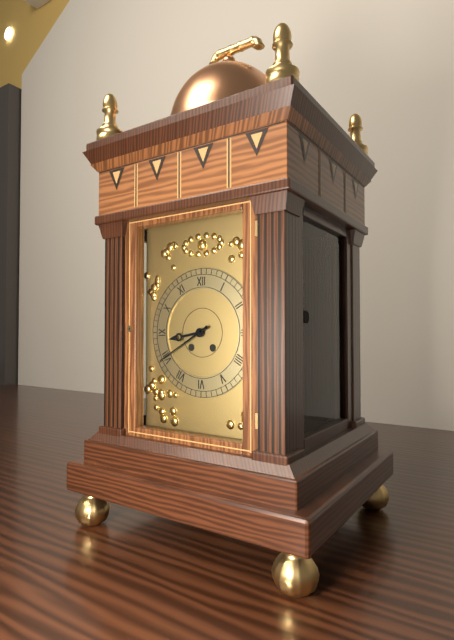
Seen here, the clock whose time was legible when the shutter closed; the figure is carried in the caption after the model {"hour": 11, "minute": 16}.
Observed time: {"hour": 8, "minute": 40}
